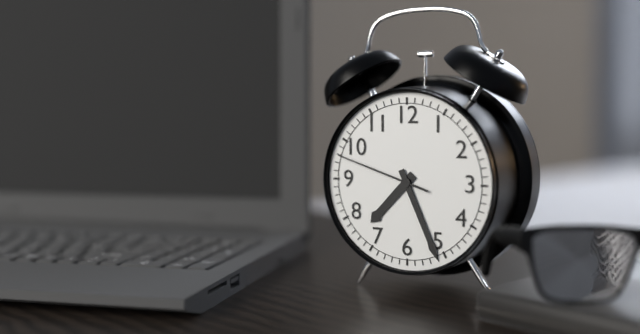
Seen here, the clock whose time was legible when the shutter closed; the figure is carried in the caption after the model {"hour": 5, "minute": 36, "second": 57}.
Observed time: {"hour": 7, "minute": 26, "second": 48}
